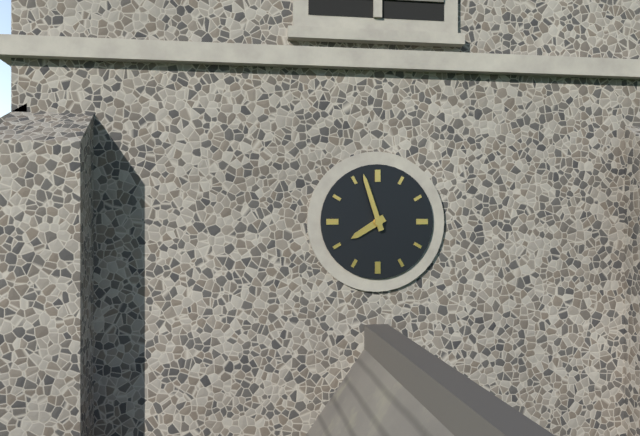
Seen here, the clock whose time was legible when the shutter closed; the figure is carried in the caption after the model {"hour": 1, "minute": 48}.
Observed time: {"hour": 7, "minute": 57}
